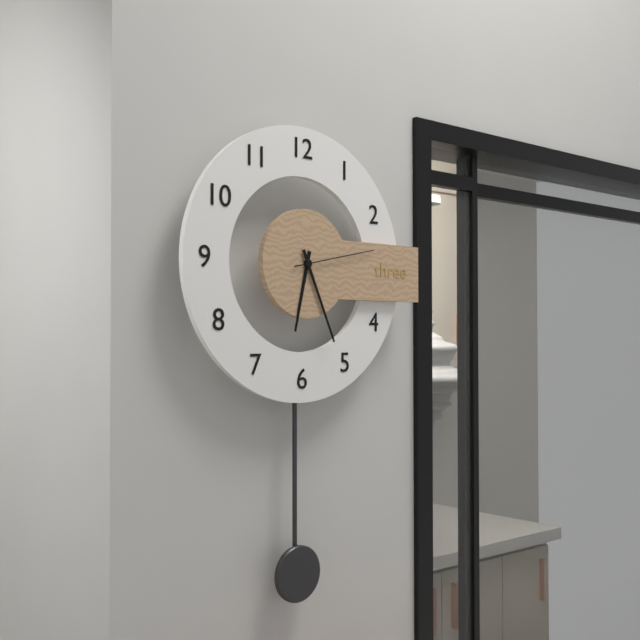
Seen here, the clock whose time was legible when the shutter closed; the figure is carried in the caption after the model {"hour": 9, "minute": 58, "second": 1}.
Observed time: {"hour": 6, "minute": 26, "second": 13}
